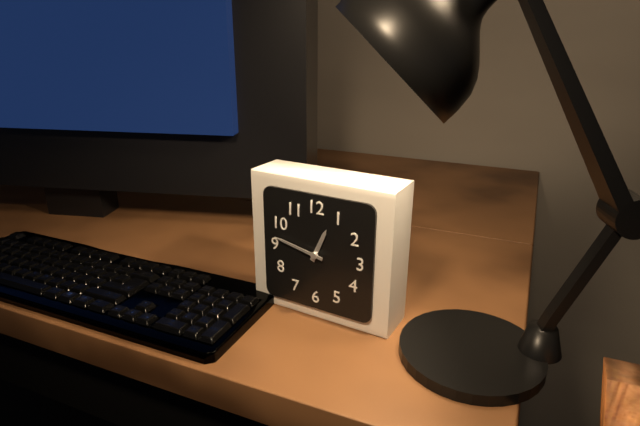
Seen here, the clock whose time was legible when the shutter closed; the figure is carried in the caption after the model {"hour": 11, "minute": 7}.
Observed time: {"hour": 12, "minute": 47}
